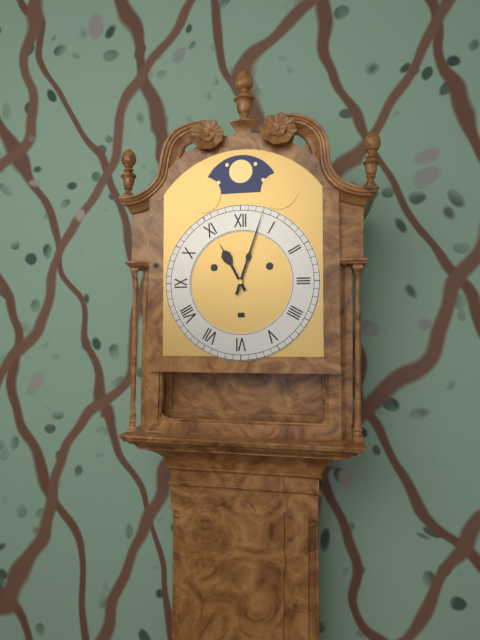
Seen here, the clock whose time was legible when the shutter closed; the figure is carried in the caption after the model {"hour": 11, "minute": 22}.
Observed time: {"hour": 11, "minute": 3}
